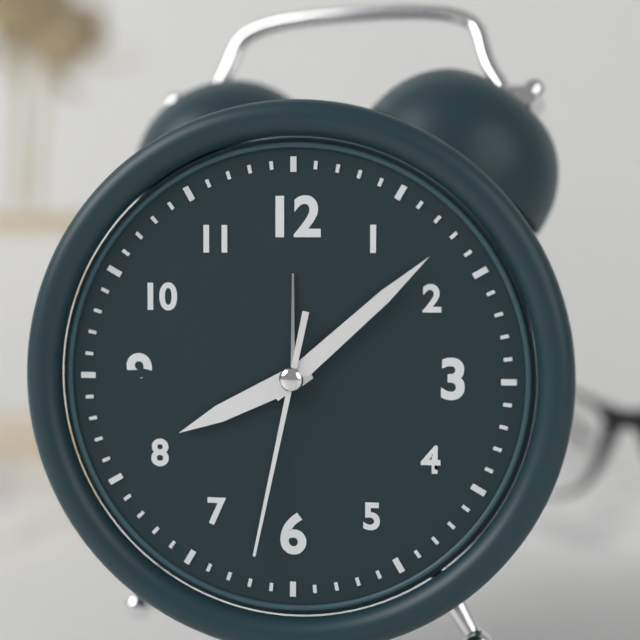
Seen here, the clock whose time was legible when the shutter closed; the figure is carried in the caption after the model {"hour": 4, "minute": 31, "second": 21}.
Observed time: {"hour": 8, "minute": 8, "second": 32}
